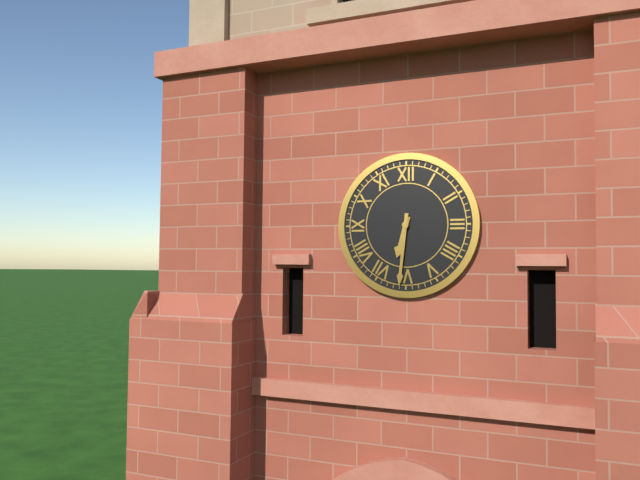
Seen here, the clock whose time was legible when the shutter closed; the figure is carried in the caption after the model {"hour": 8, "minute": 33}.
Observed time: {"hour": 6, "minute": 31}
